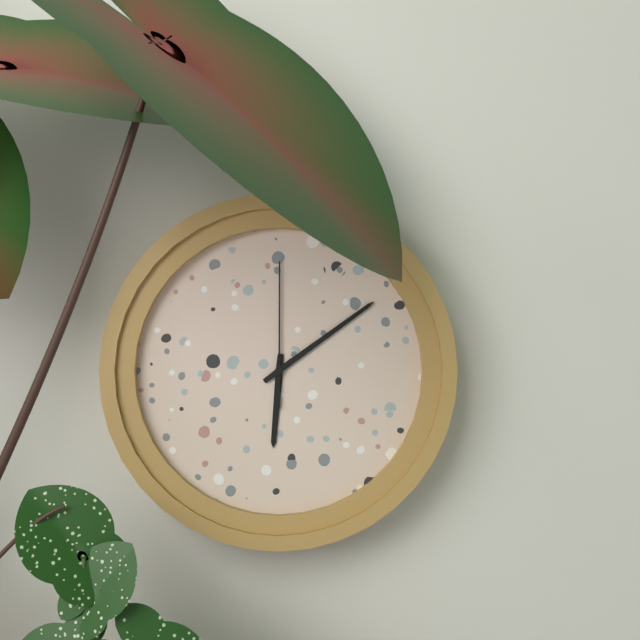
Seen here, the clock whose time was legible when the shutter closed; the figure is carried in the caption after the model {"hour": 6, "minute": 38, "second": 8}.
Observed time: {"hour": 6, "minute": 9, "second": 0}
